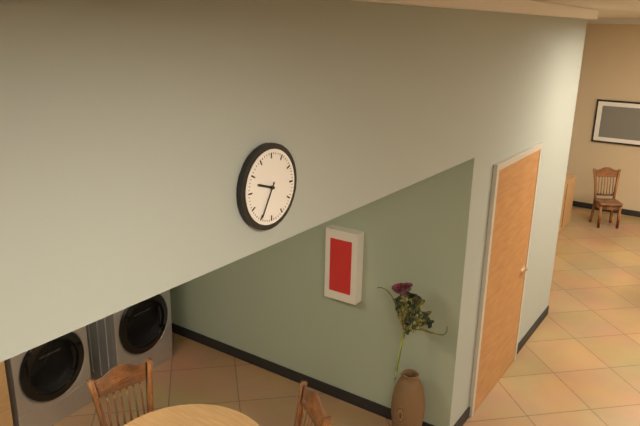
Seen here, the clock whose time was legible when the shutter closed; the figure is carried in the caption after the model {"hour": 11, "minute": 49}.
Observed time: {"hour": 9, "minute": 35}
